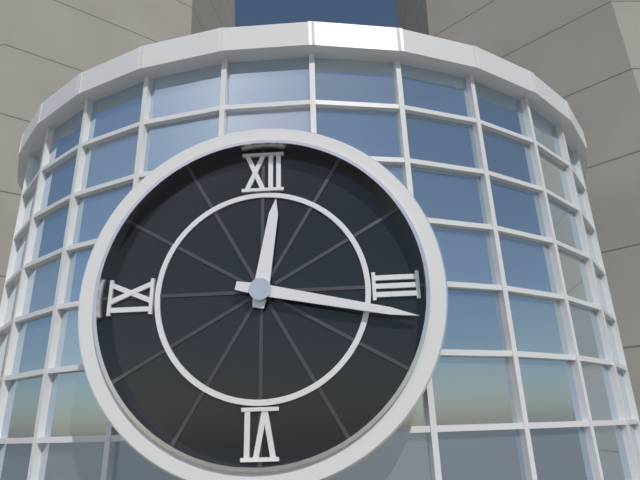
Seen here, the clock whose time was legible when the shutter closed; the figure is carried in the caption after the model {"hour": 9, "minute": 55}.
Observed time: {"hour": 12, "minute": 17}
